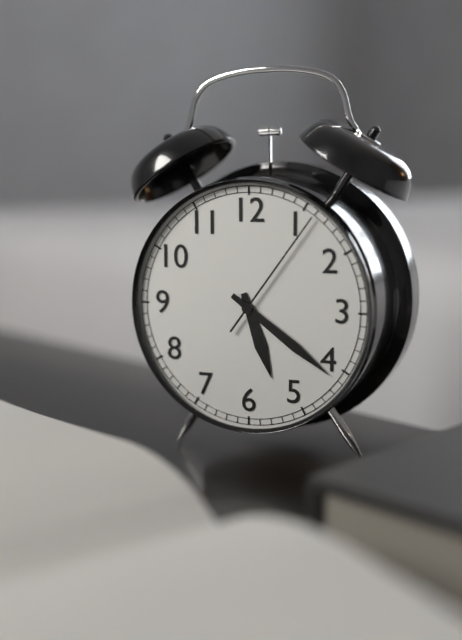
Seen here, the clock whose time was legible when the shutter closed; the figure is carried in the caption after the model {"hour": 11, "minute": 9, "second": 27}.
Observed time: {"hour": 5, "minute": 21, "second": 6}
